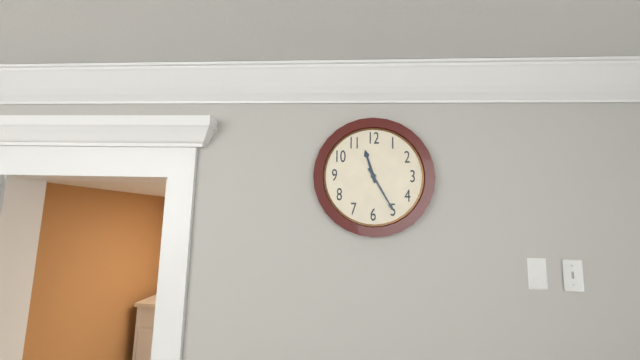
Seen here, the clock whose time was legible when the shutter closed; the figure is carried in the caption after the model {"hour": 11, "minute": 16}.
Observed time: {"hour": 11, "minute": 25}
